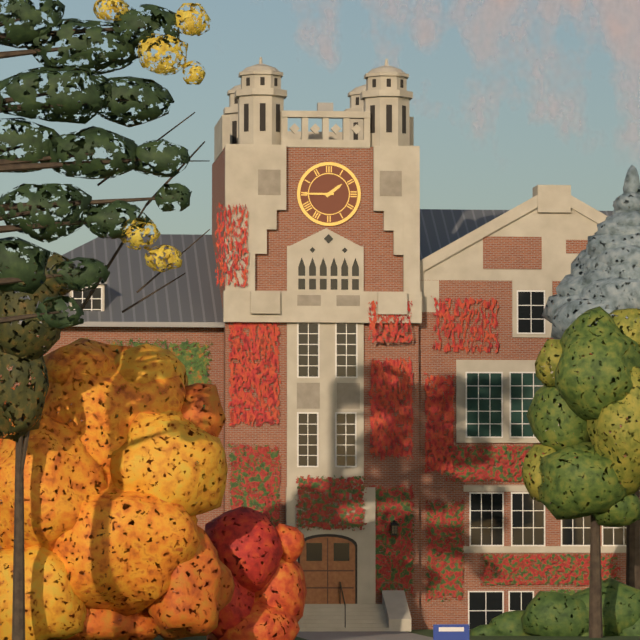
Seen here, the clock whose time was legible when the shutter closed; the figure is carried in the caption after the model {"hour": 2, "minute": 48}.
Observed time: {"hour": 1, "minute": 45}
